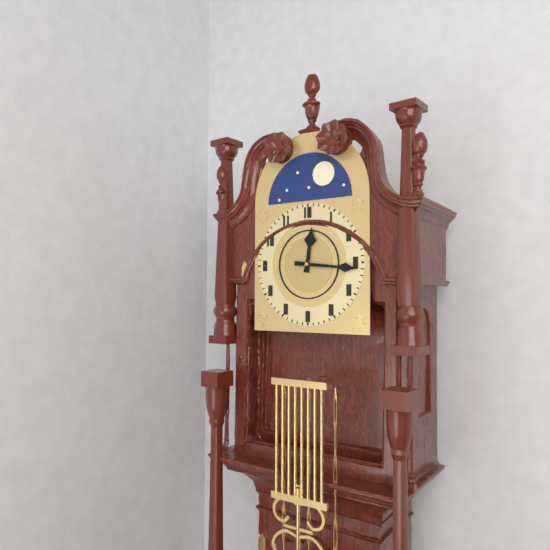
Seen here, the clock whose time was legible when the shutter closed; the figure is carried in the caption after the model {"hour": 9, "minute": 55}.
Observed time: {"hour": 12, "minute": 16}
